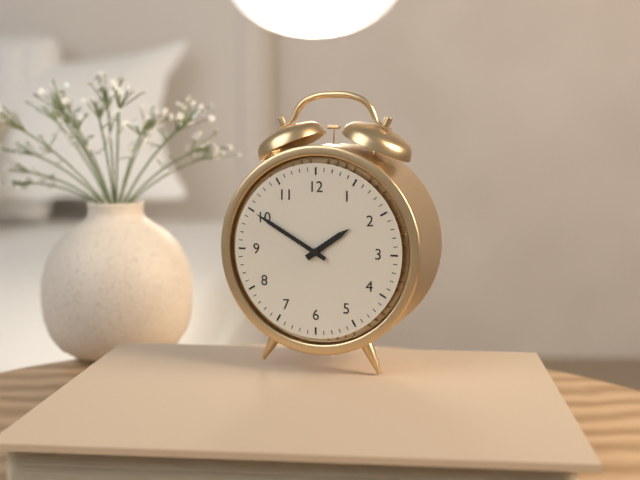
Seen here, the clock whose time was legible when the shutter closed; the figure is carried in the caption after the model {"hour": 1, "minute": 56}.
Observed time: {"hour": 1, "minute": 50}
